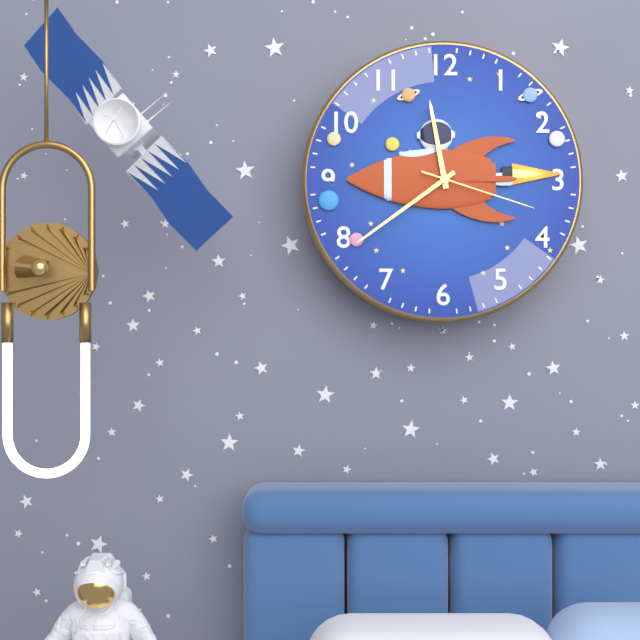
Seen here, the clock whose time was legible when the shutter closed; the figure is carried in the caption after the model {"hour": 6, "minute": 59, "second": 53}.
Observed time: {"hour": 11, "minute": 39, "second": 18}
